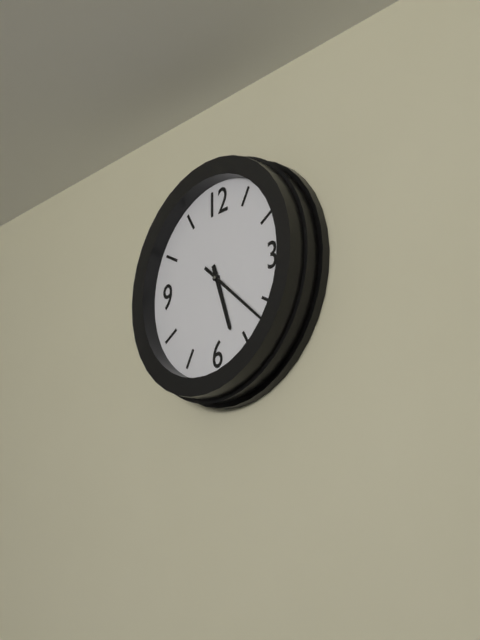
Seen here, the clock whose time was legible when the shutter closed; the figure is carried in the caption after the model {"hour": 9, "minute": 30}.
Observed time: {"hour": 5, "minute": 22}
